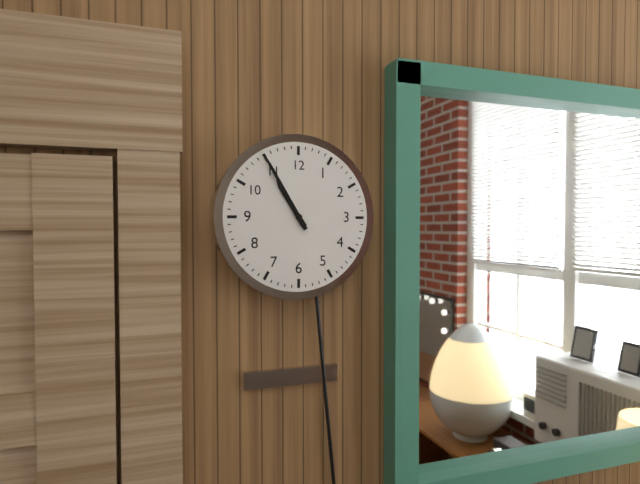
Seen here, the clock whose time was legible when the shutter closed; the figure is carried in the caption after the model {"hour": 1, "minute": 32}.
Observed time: {"hour": 10, "minute": 55}
